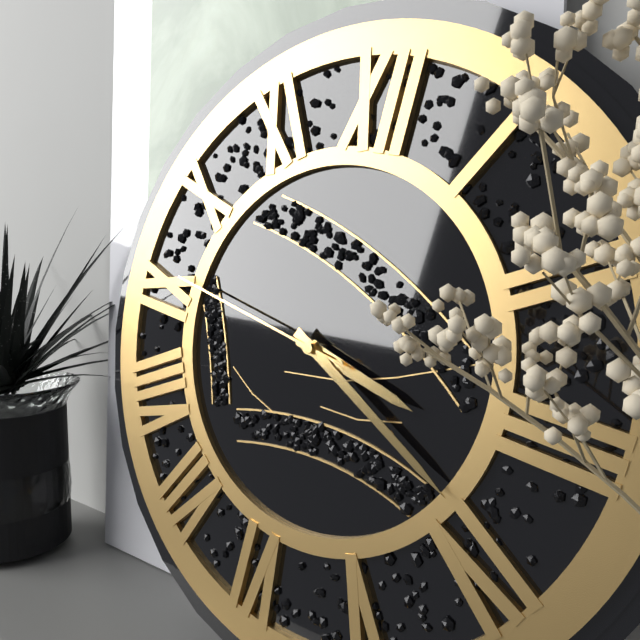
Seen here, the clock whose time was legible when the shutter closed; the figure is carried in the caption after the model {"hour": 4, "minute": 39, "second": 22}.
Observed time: {"hour": 3, "minute": 19, "second": 46}
